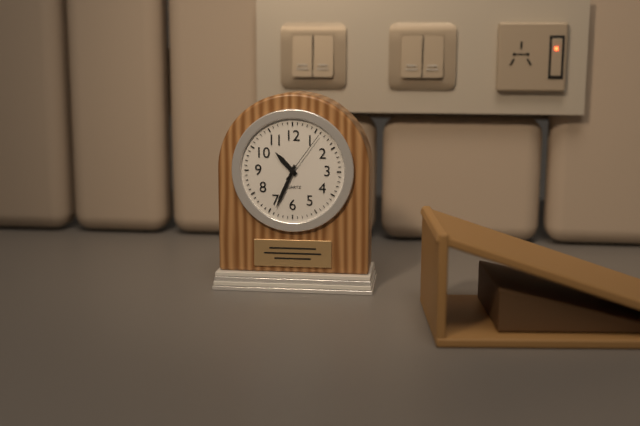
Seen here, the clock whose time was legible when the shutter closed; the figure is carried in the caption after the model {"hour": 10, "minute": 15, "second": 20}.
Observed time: {"hour": 10, "minute": 34, "second": 6}
